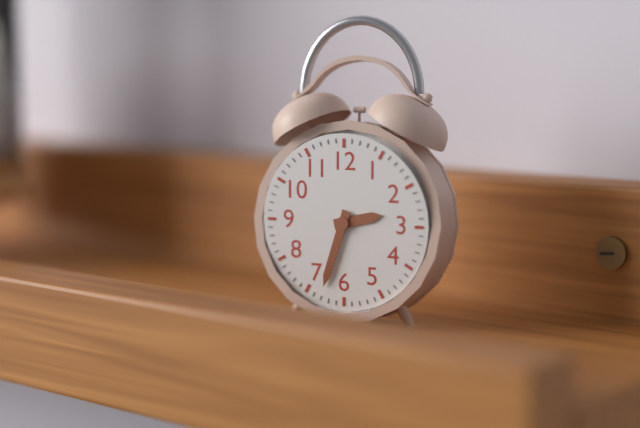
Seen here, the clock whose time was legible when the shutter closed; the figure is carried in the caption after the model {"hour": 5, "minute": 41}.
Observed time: {"hour": 2, "minute": 33}
